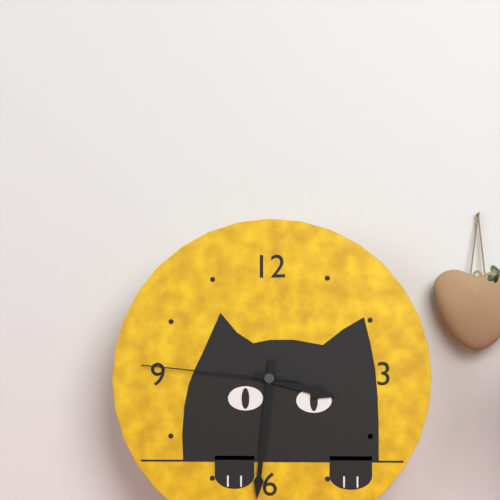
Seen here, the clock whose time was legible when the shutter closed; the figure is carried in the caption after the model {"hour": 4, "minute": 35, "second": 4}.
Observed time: {"hour": 3, "minute": 31, "second": 46}
